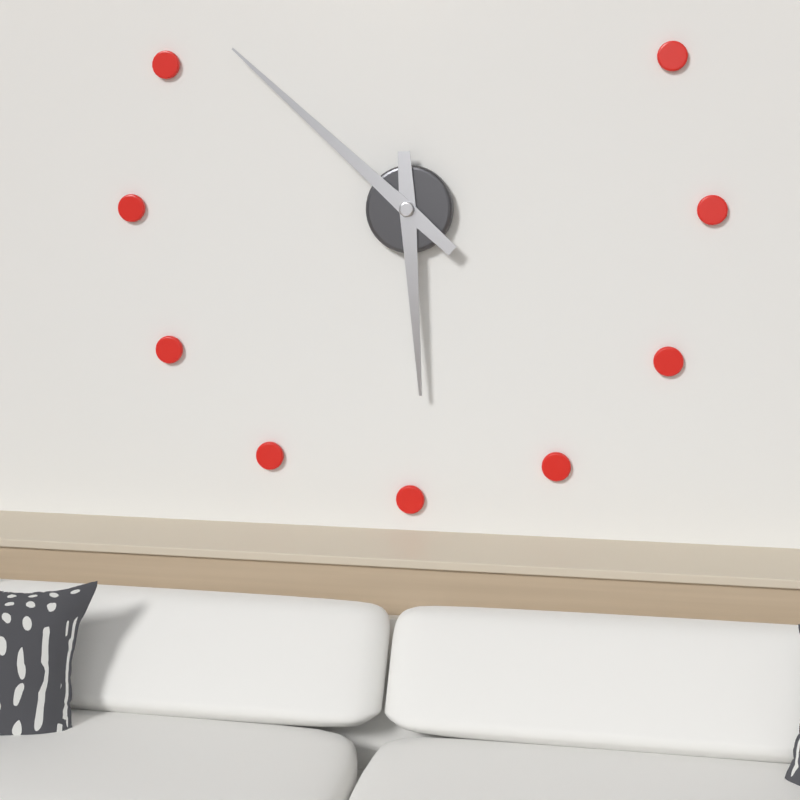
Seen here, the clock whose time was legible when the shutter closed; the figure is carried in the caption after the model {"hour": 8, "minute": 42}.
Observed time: {"hour": 5, "minute": 52}
